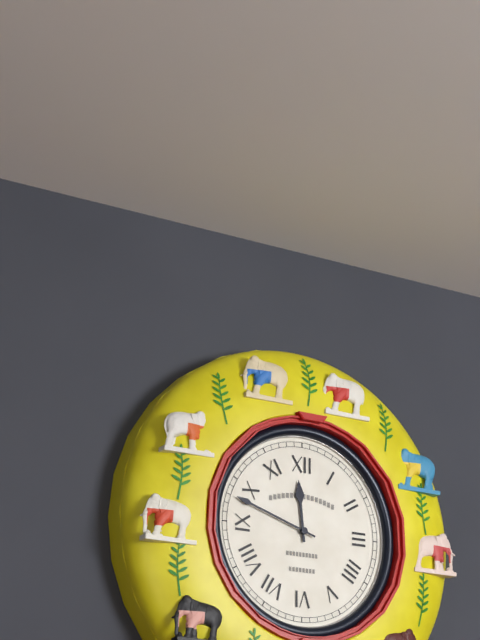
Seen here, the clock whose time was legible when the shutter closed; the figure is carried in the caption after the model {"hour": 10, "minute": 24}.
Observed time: {"hour": 11, "minute": 48}
